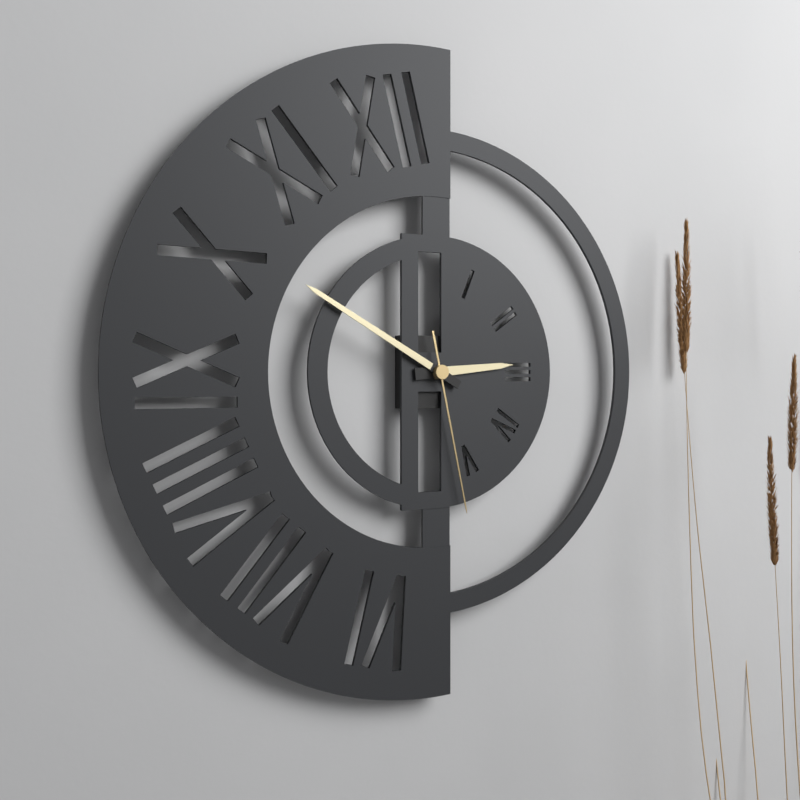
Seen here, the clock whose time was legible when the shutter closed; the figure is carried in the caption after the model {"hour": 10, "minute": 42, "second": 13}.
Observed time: {"hour": 2, "minute": 50, "second": 28}
